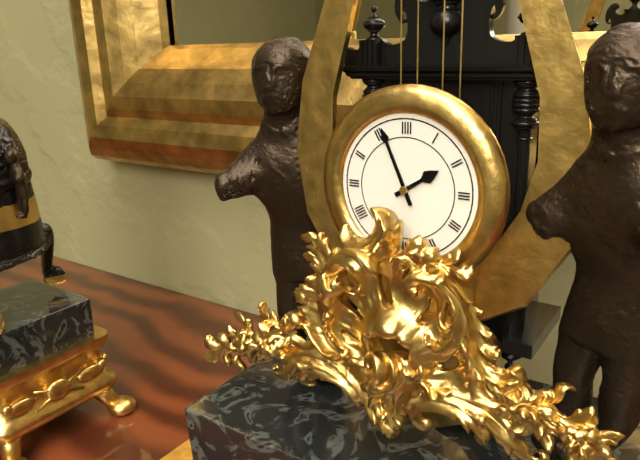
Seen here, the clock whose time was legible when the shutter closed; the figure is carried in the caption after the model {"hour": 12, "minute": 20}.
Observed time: {"hour": 1, "minute": 56}
